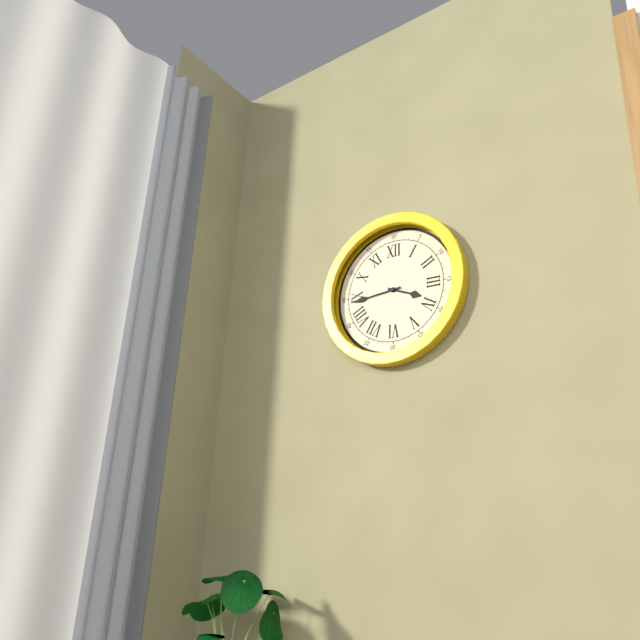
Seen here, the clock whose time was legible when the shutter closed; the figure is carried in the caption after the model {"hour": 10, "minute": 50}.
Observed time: {"hour": 3, "minute": 44}
